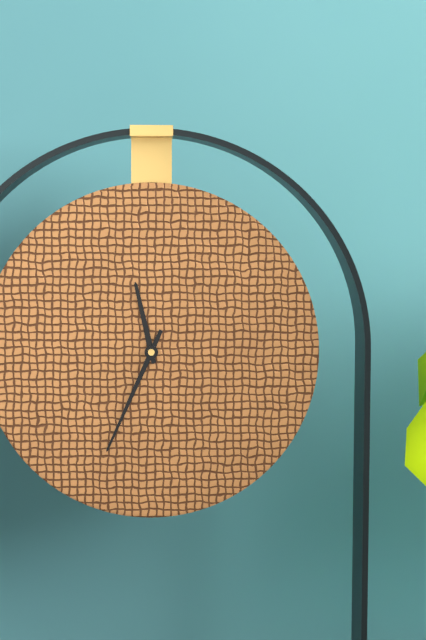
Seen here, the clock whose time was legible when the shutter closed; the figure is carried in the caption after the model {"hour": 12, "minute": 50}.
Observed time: {"hour": 11, "minute": 34}
